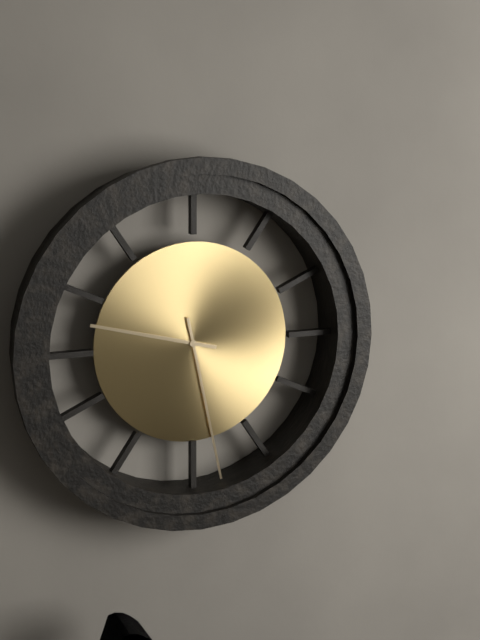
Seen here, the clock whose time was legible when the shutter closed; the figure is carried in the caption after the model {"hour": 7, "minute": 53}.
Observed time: {"hour": 9, "minute": 28}
